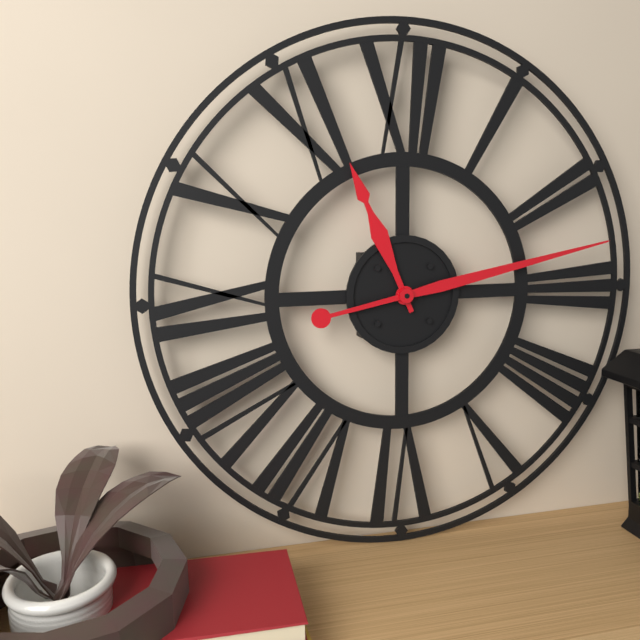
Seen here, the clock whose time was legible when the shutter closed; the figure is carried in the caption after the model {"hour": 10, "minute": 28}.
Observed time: {"hour": 11, "minute": 13}
